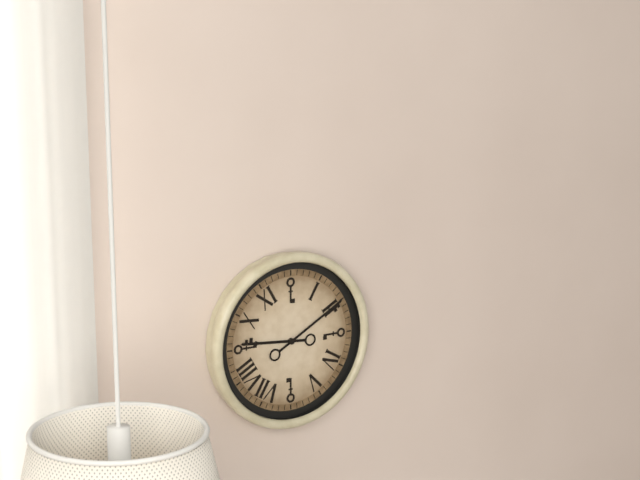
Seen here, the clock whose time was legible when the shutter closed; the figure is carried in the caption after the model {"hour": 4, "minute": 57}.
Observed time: {"hour": 9, "minute": 10}
